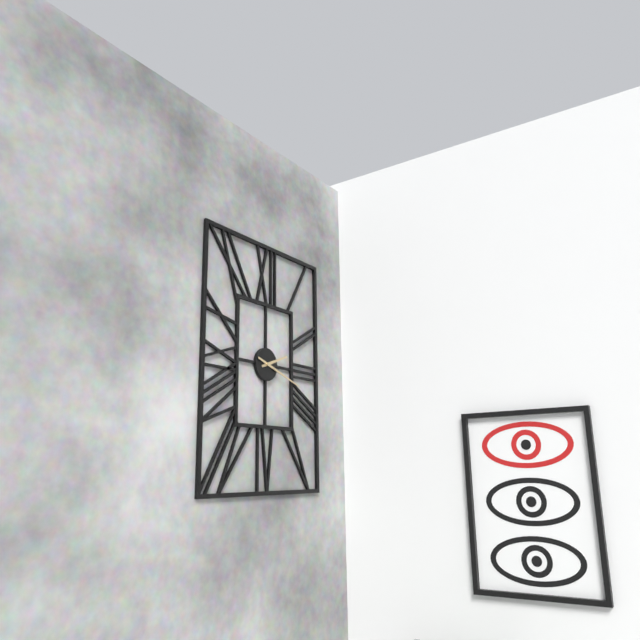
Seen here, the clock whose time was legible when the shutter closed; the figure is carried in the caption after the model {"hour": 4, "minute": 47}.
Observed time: {"hour": 2, "minute": 18}
